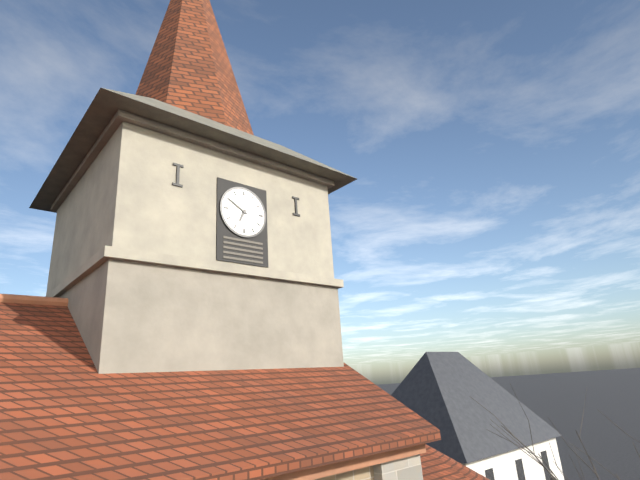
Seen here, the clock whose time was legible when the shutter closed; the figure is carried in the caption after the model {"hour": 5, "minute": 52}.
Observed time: {"hour": 6, "minute": 50}
